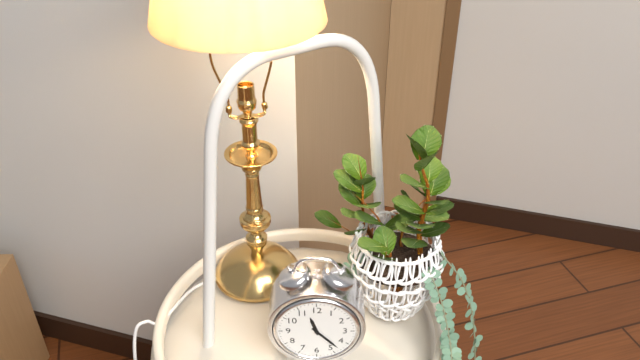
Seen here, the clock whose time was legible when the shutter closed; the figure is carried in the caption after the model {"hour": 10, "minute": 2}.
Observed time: {"hour": 11, "minute": 23}
